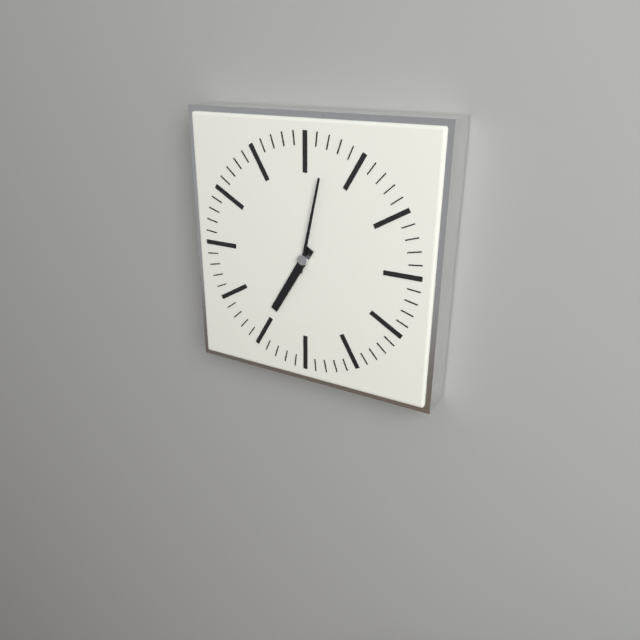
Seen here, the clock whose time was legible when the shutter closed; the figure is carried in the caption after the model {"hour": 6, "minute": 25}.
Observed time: {"hour": 7, "minute": 2}
